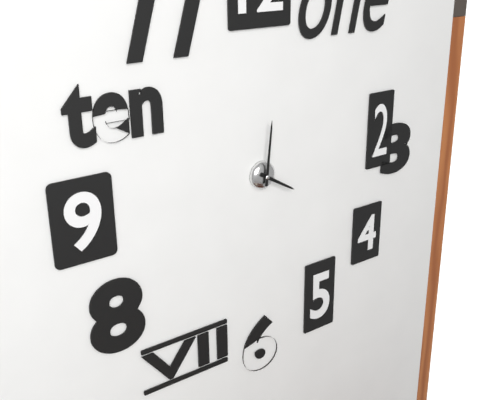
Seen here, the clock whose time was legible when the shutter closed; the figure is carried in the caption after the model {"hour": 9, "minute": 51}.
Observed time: {"hour": 4, "minute": 1}
